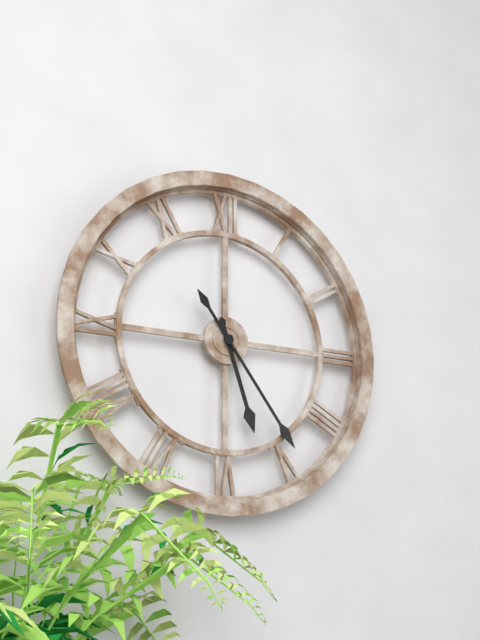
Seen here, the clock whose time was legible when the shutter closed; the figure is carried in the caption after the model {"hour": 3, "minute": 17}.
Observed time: {"hour": 5, "minute": 24}
